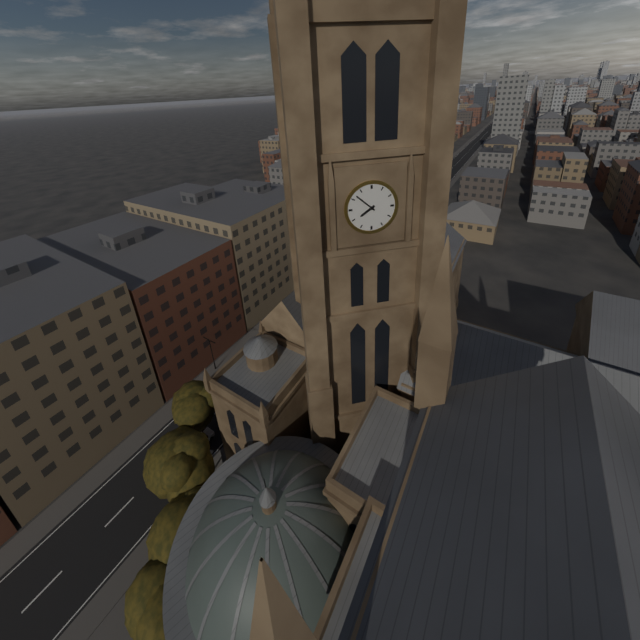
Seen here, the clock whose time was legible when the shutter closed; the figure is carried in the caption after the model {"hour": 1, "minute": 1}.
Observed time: {"hour": 7, "minute": 52}
